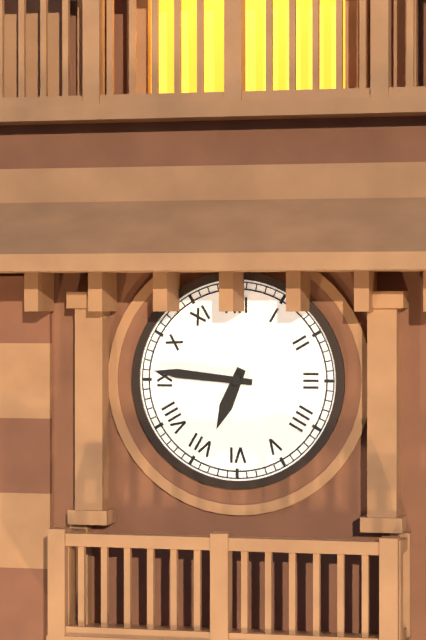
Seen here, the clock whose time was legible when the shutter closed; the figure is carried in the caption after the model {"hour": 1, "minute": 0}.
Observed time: {"hour": 6, "minute": 46}
